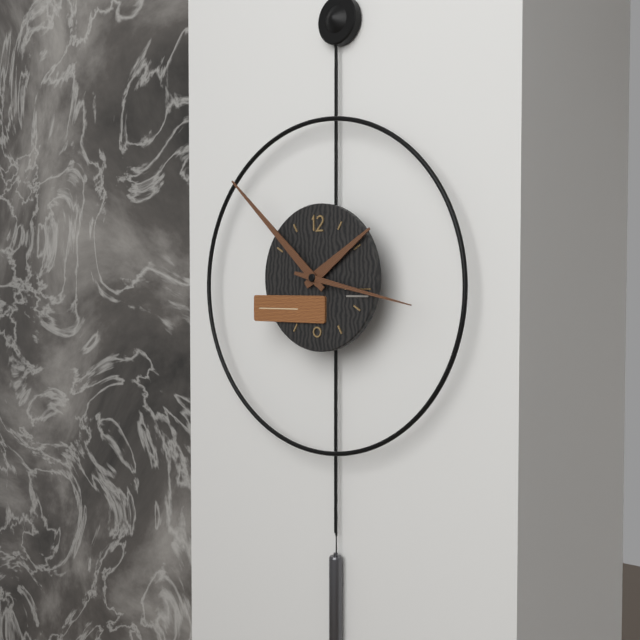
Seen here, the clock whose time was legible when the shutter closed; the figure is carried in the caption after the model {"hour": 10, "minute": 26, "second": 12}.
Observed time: {"hour": 1, "minute": 52, "second": 17}
